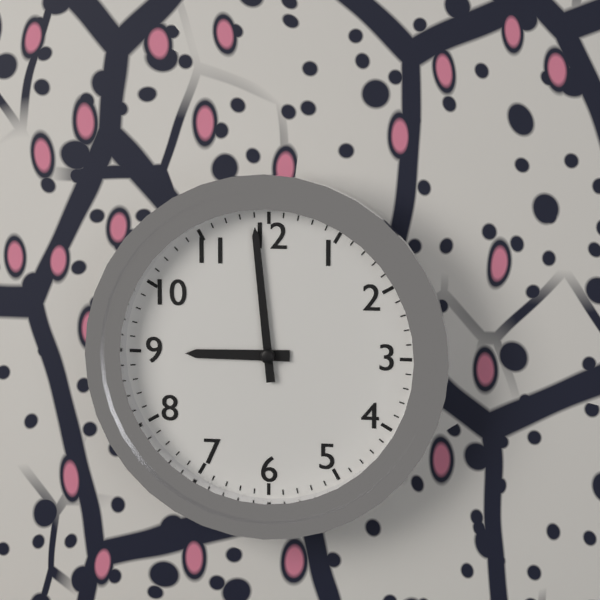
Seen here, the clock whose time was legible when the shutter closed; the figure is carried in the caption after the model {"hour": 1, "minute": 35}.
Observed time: {"hour": 8, "minute": 59}
